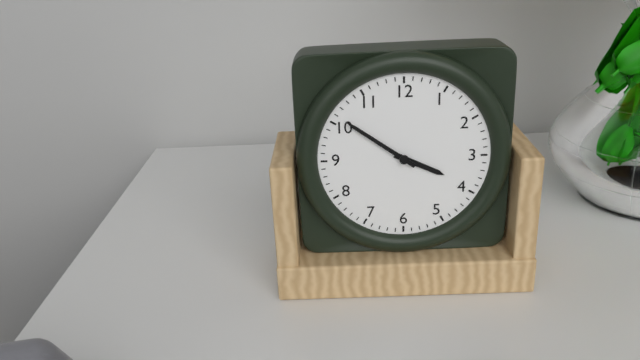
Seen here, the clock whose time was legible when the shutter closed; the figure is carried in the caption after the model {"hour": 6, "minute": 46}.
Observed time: {"hour": 3, "minute": 51}
